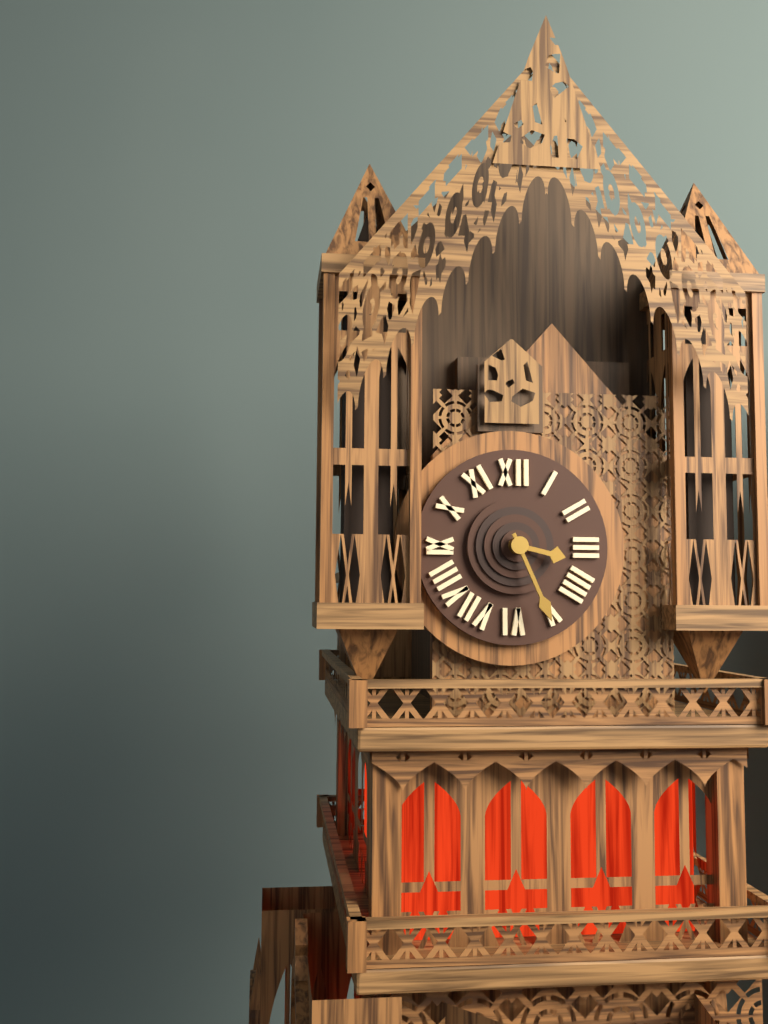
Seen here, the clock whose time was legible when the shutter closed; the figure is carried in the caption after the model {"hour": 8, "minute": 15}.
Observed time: {"hour": 3, "minute": 26}
